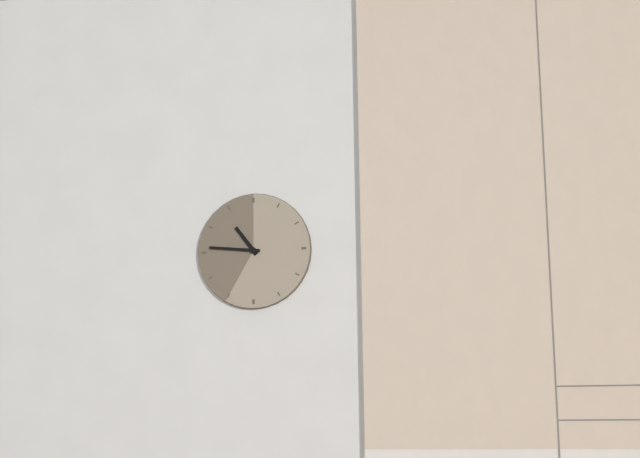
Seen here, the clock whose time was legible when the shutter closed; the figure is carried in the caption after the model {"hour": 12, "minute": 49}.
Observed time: {"hour": 10, "minute": 46}
